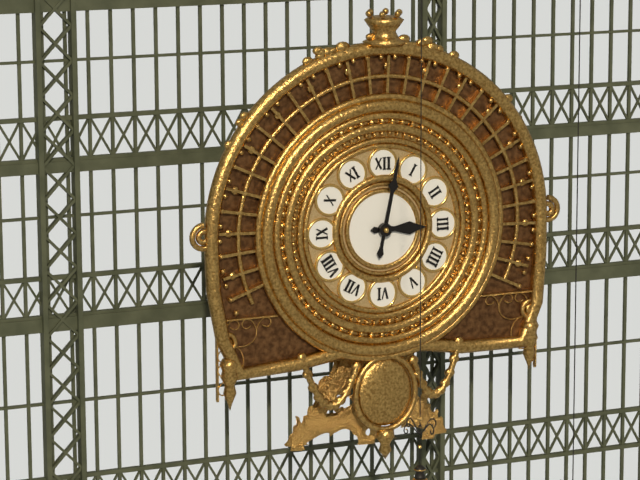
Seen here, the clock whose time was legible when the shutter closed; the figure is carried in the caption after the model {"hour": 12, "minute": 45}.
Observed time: {"hour": 3, "minute": 2}
